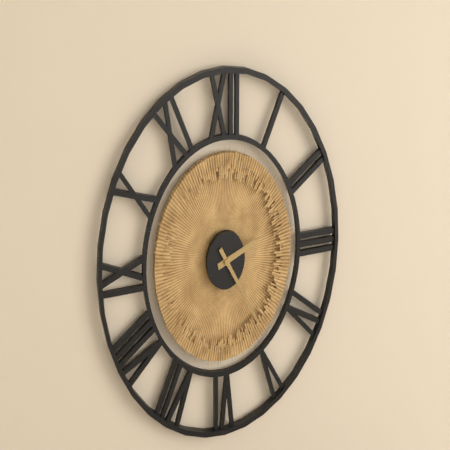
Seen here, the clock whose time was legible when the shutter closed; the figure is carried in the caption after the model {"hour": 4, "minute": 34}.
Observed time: {"hour": 2, "minute": 24}
